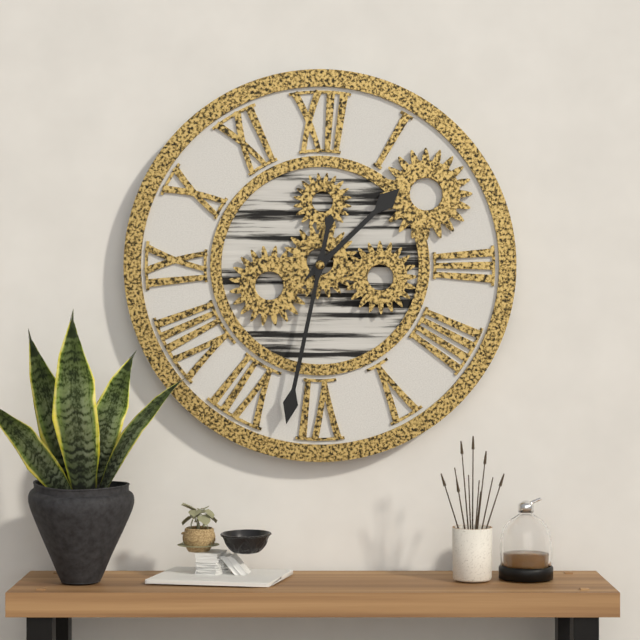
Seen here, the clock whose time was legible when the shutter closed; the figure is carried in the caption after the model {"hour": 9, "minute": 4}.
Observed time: {"hour": 1, "minute": 32}
